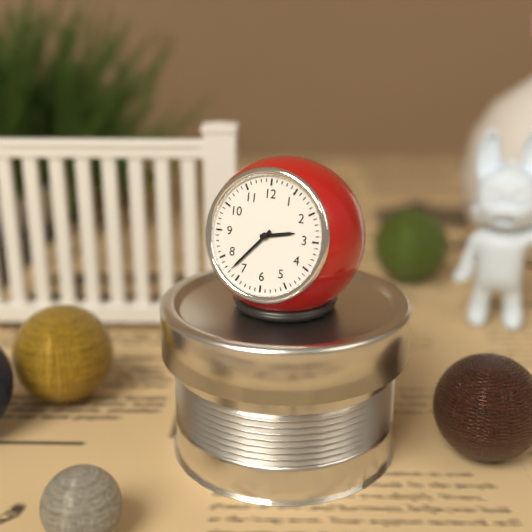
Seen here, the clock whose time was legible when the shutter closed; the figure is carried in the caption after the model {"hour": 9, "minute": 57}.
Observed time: {"hour": 2, "minute": 37}
